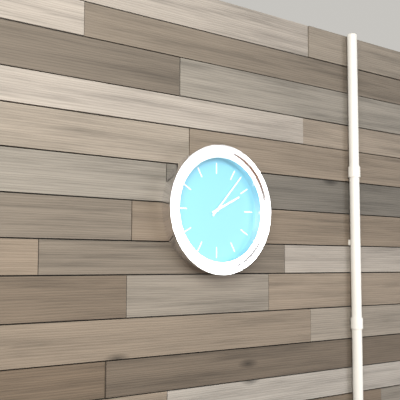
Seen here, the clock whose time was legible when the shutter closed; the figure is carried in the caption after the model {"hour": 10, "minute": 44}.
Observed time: {"hour": 2, "minute": 7}
